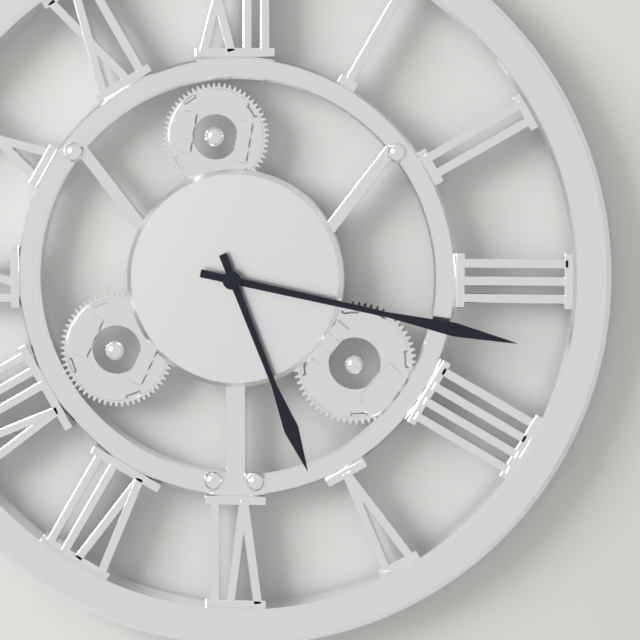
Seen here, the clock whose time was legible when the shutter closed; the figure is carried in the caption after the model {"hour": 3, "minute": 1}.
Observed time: {"hour": 5, "minute": 17}
